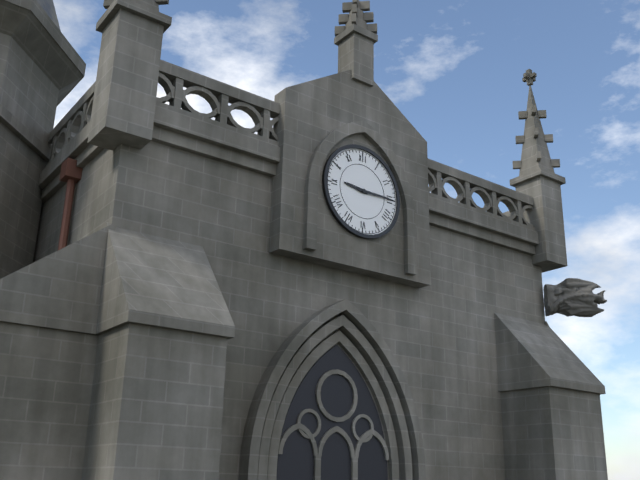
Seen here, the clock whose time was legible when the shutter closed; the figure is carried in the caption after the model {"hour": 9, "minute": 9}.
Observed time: {"hour": 9, "minute": 15}
